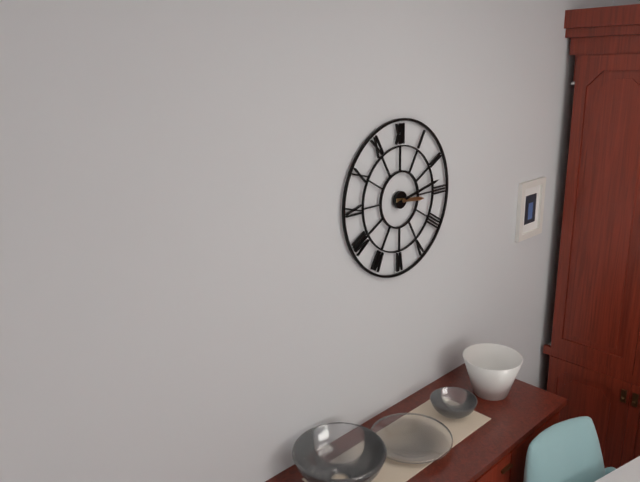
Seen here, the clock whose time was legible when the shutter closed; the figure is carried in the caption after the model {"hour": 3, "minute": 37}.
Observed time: {"hour": 3, "minute": 13}
